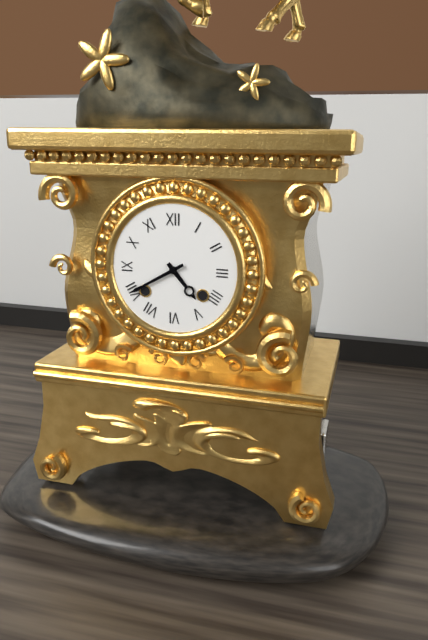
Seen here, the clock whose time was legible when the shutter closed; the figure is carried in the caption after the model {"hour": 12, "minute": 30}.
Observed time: {"hour": 4, "minute": 40}
